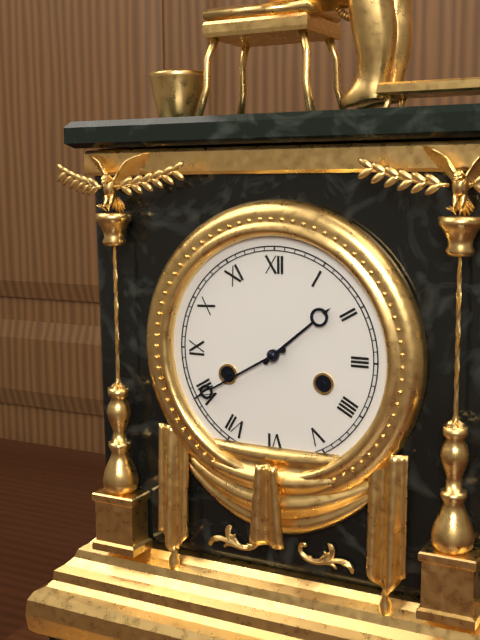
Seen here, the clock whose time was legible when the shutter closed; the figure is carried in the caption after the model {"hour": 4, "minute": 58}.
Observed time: {"hour": 1, "minute": 40}
